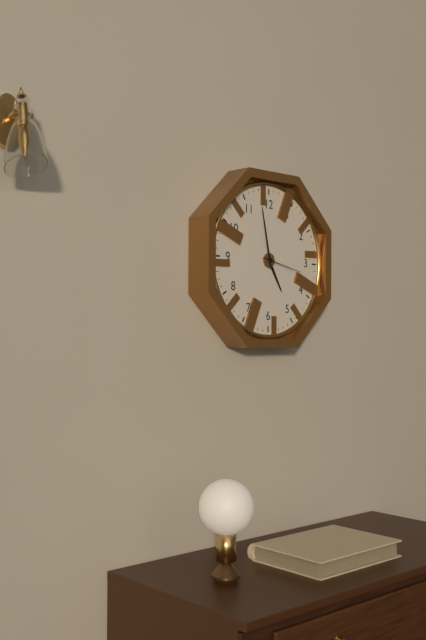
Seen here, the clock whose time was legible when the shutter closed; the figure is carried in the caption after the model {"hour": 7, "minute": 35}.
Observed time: {"hour": 4, "minute": 58}
